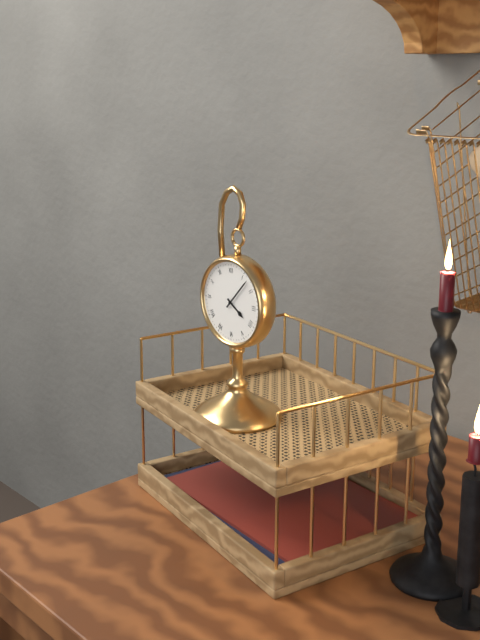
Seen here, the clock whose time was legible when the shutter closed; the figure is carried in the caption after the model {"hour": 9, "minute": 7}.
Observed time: {"hour": 4, "minute": 7}
